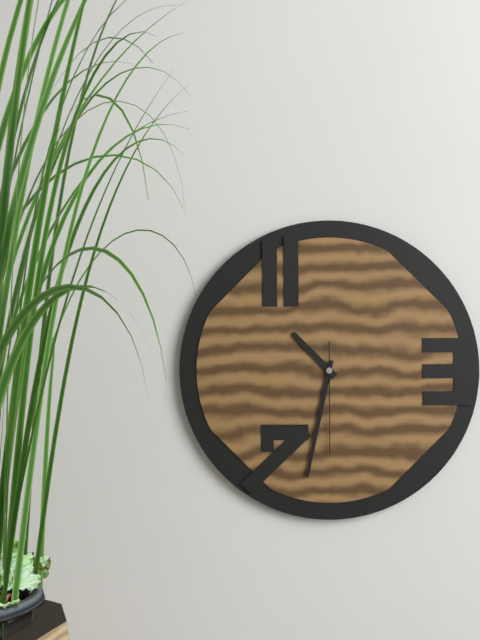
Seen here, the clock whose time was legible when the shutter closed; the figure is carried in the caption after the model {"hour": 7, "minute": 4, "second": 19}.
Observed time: {"hour": 10, "minute": 32, "second": 30}
